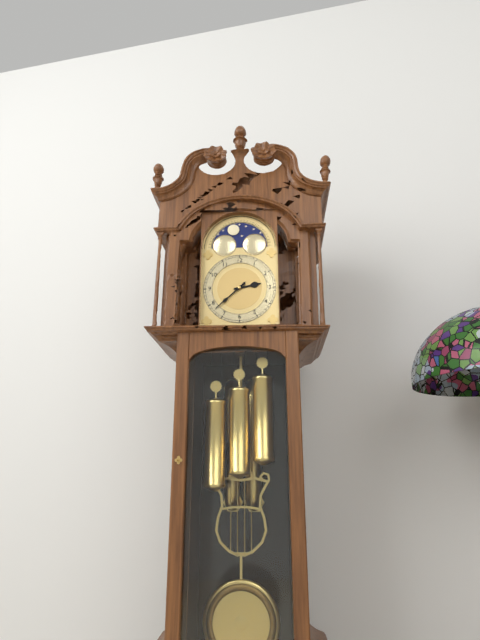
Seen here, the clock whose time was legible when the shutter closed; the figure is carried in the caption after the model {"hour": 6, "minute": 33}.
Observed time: {"hour": 2, "minute": 38}
